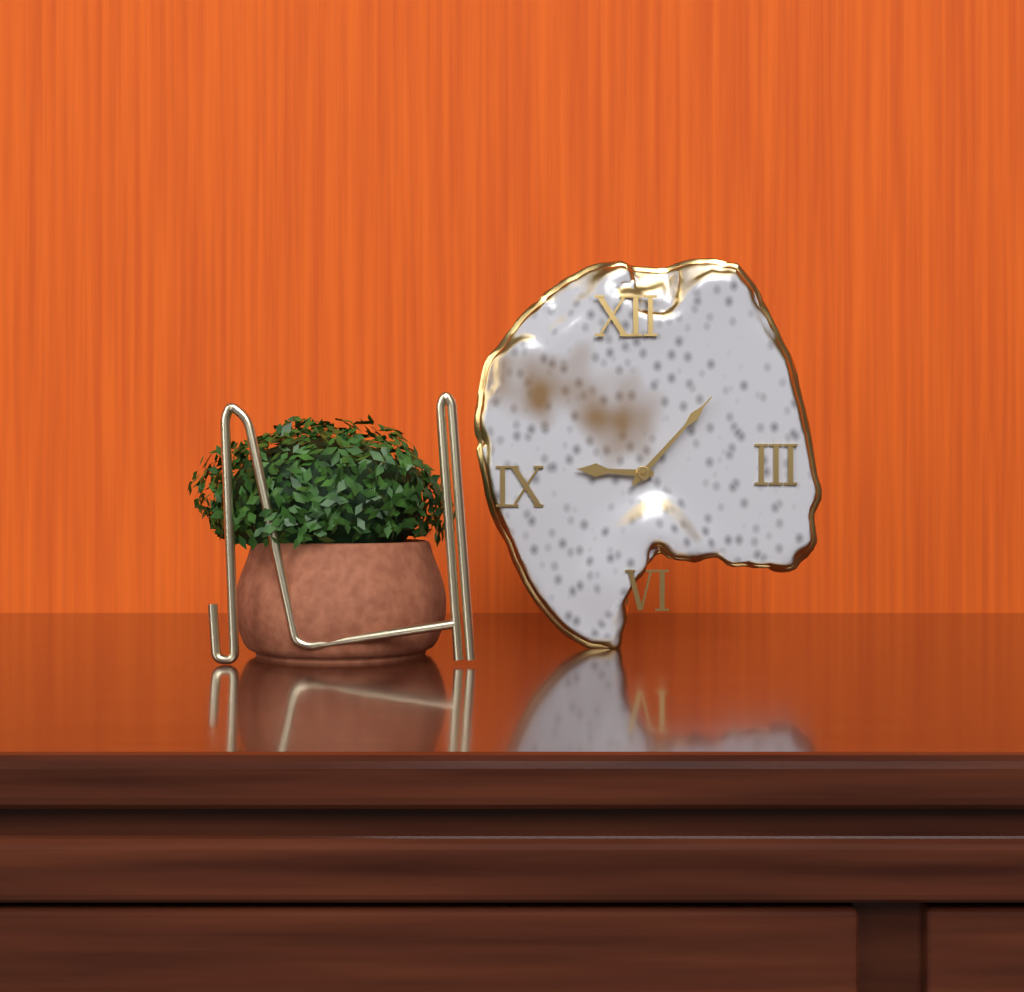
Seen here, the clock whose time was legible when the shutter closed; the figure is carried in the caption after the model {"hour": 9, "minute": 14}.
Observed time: {"hour": 9, "minute": 7}
